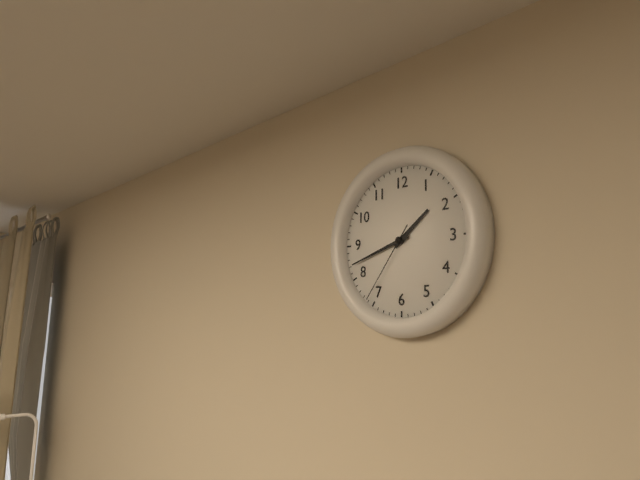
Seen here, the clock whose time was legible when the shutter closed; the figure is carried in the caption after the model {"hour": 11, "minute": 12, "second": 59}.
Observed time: {"hour": 1, "minute": 42, "second": 36}
